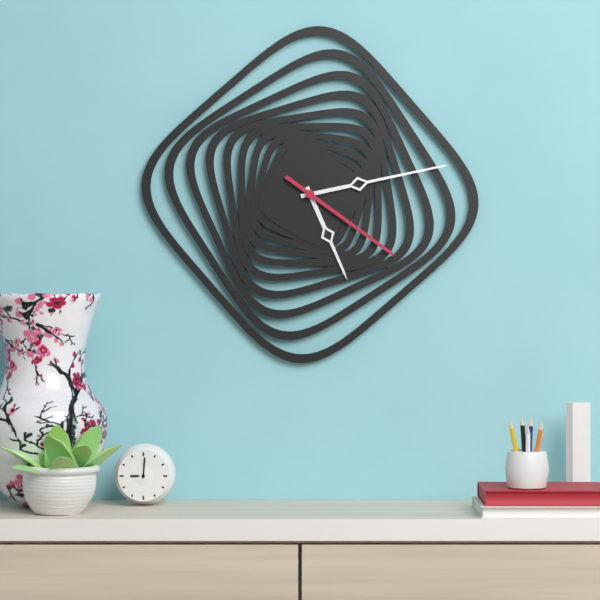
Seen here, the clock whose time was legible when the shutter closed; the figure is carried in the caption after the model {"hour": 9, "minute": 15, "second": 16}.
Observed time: {"hour": 5, "minute": 13, "second": 21}
